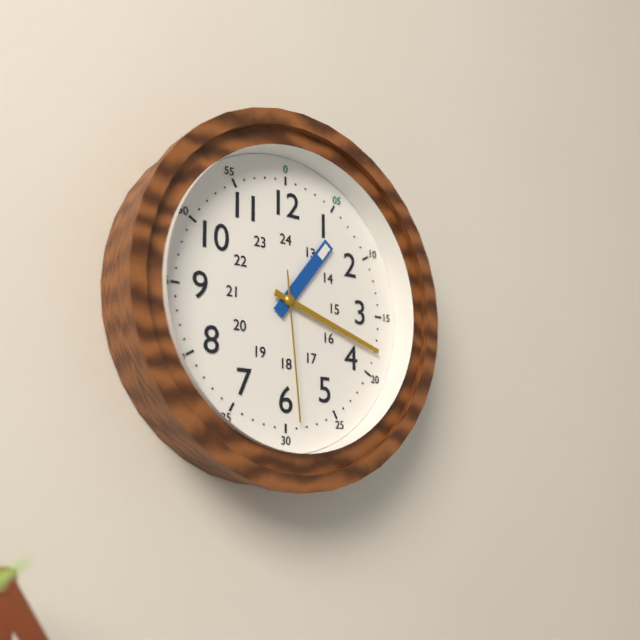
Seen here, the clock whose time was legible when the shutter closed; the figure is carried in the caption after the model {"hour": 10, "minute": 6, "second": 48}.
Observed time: {"hour": 1, "minute": 18, "second": 29}
